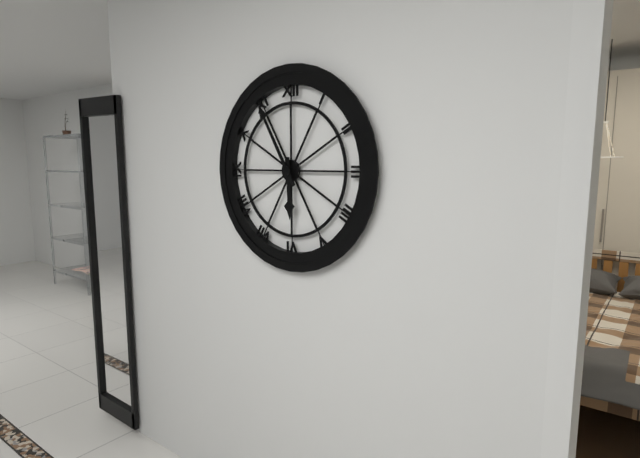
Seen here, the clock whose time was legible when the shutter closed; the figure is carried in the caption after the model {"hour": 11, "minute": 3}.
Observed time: {"hour": 5, "minute": 55}
